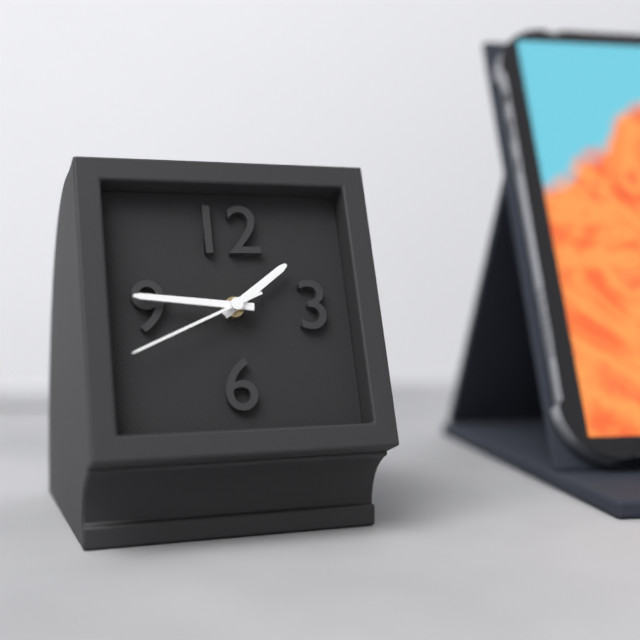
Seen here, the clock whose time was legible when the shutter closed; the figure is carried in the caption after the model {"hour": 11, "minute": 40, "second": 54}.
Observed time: {"hour": 1, "minute": 46, "second": 41}
